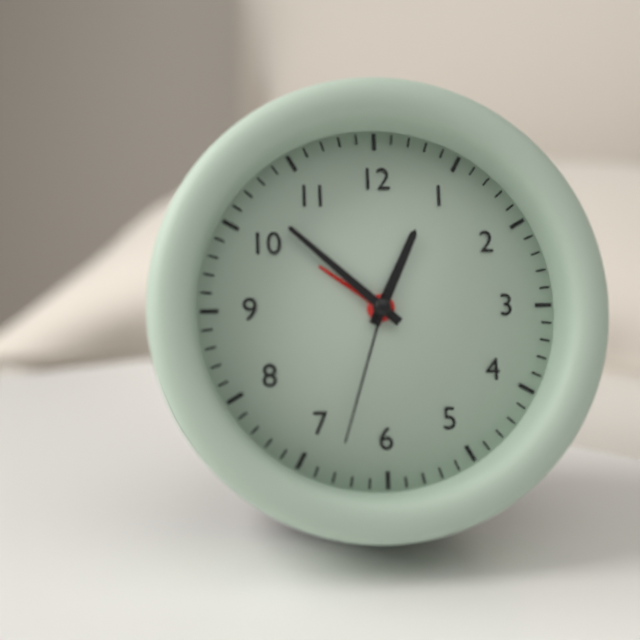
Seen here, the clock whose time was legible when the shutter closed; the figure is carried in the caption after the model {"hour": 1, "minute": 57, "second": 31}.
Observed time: {"hour": 12, "minute": 52, "second": 33}
